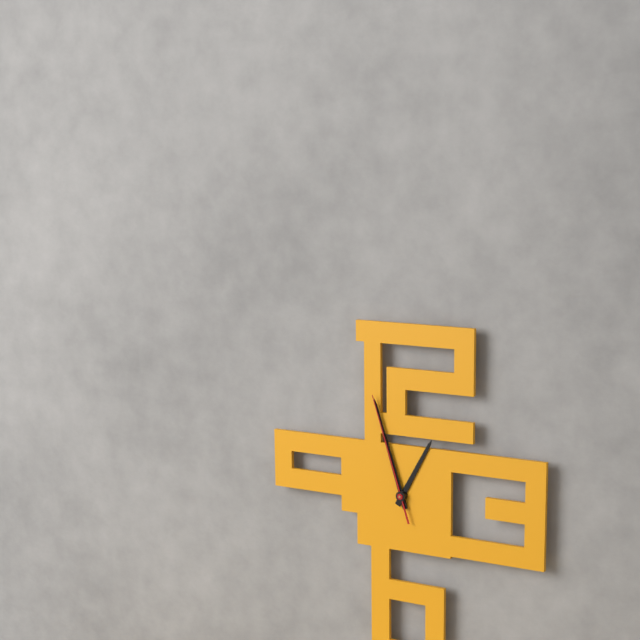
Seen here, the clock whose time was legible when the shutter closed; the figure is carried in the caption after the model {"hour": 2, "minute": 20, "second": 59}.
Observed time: {"hour": 12, "minute": 57, "second": 57}
